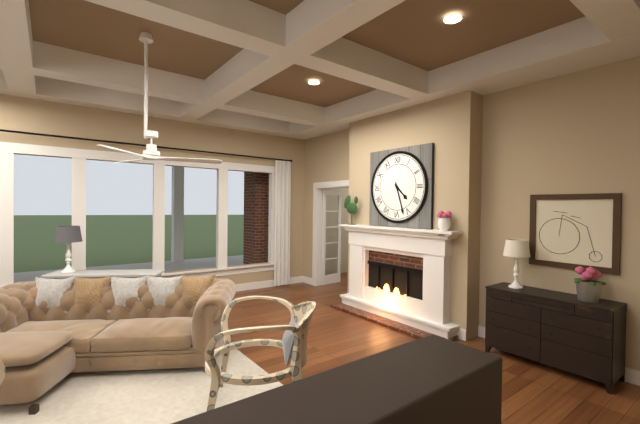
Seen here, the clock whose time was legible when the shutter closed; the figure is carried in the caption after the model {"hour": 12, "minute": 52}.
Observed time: {"hour": 4, "minute": 27}
